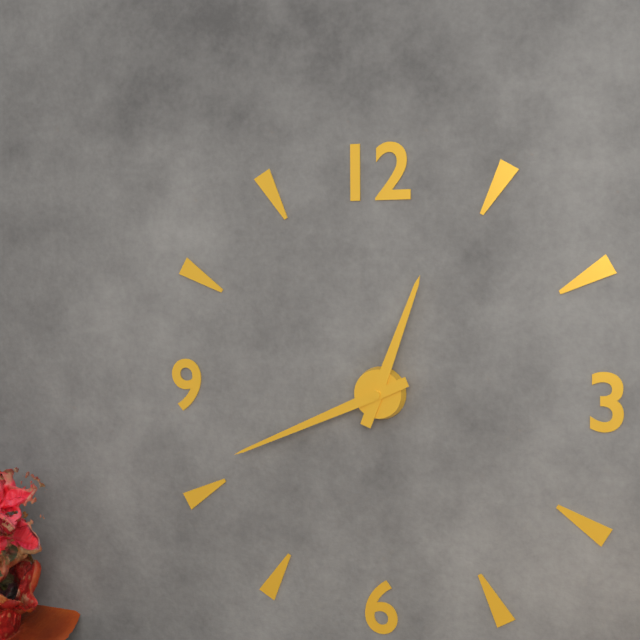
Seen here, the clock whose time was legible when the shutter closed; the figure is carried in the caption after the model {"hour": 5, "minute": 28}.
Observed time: {"hour": 12, "minute": 41}
